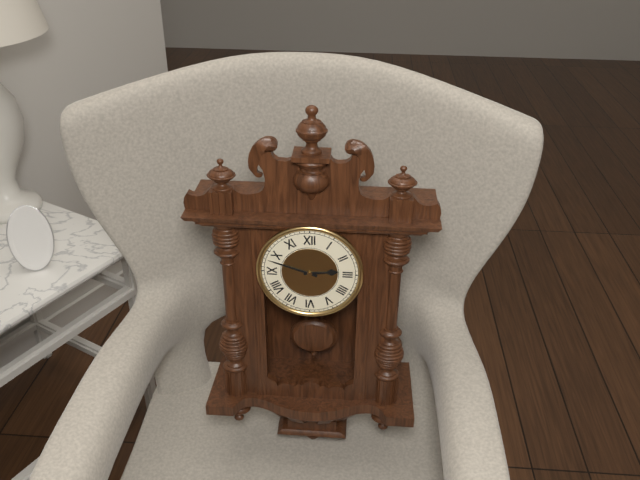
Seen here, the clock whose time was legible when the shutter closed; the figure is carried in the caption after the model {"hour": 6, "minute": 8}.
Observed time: {"hour": 2, "minute": 48}
